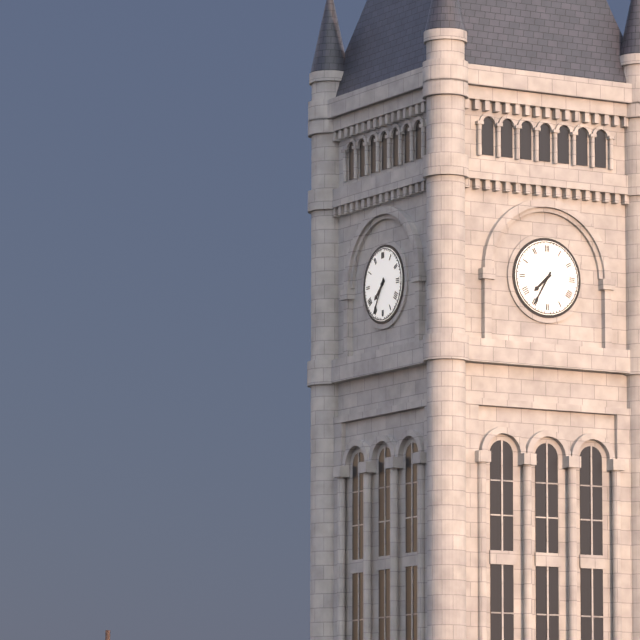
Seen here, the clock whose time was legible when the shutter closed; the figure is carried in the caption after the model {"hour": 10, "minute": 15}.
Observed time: {"hour": 7, "minute": 35}
